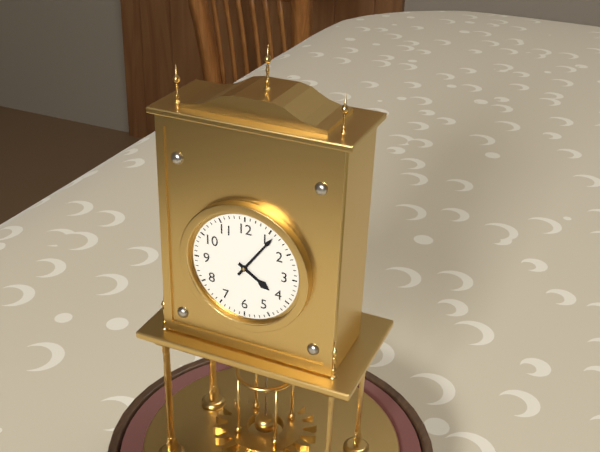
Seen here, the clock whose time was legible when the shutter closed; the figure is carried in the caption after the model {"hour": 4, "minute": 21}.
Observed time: {"hour": 4, "minute": 6}
